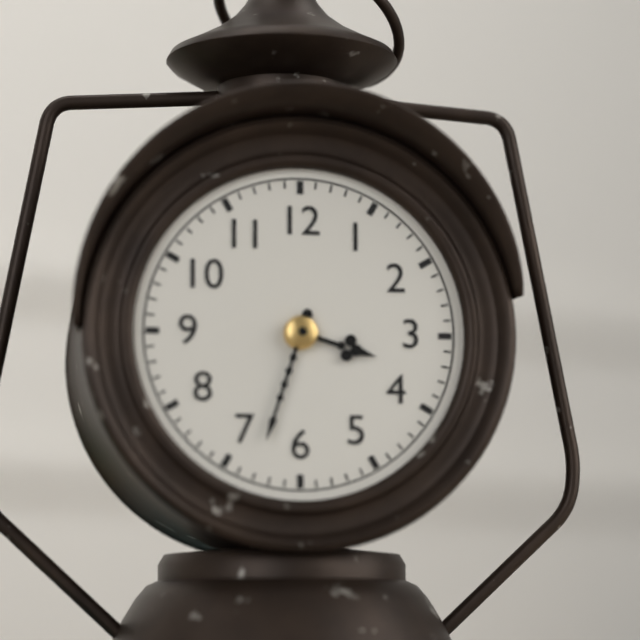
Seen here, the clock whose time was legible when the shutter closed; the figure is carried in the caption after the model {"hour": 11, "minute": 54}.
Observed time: {"hour": 3, "minute": 33}
